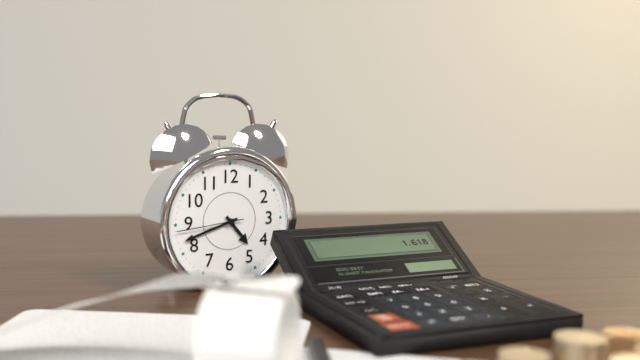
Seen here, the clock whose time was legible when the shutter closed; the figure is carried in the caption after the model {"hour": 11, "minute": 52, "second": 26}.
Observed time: {"hour": 4, "minute": 42, "second": 44}
